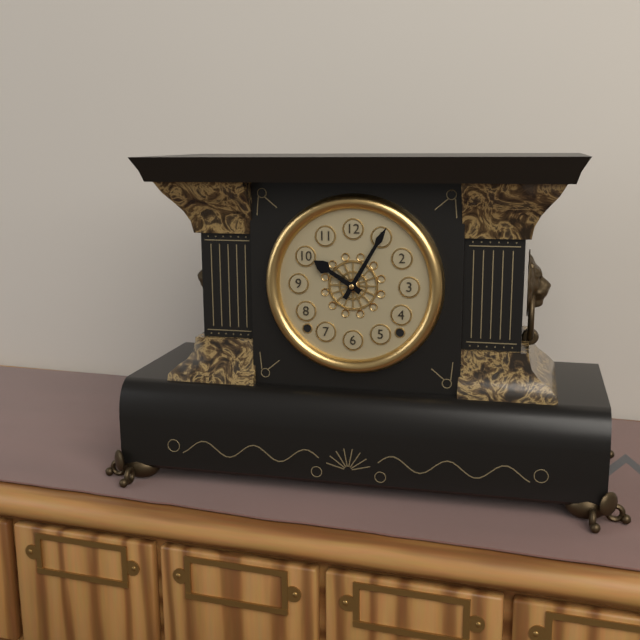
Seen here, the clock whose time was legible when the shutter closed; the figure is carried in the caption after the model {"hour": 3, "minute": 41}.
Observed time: {"hour": 10, "minute": 5}
